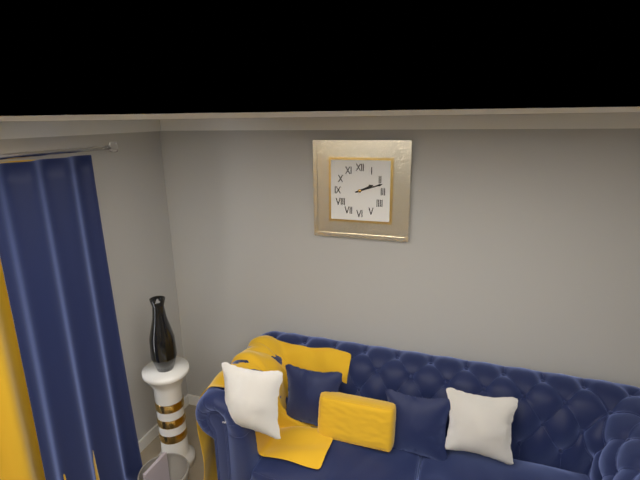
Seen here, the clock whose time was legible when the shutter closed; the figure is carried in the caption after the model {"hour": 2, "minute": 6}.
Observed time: {"hour": 2, "minute": 12}
